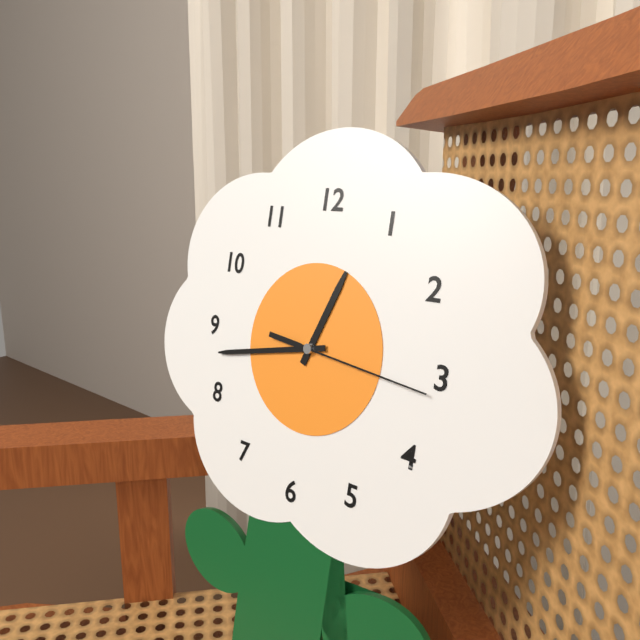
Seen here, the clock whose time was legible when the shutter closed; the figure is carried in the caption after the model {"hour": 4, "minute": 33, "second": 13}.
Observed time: {"hour": 12, "minute": 43, "second": 16}
